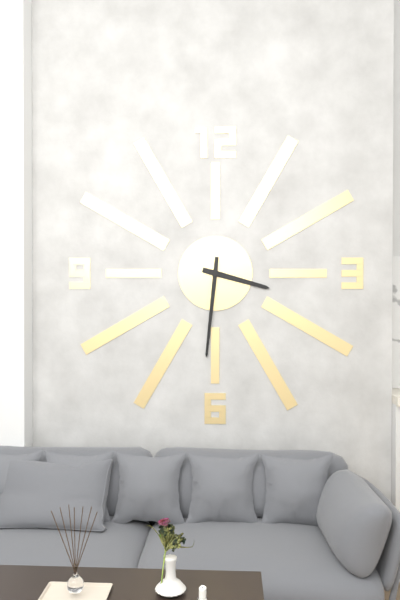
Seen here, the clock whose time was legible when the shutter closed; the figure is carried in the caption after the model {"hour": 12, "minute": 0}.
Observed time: {"hour": 3, "minute": 31}
